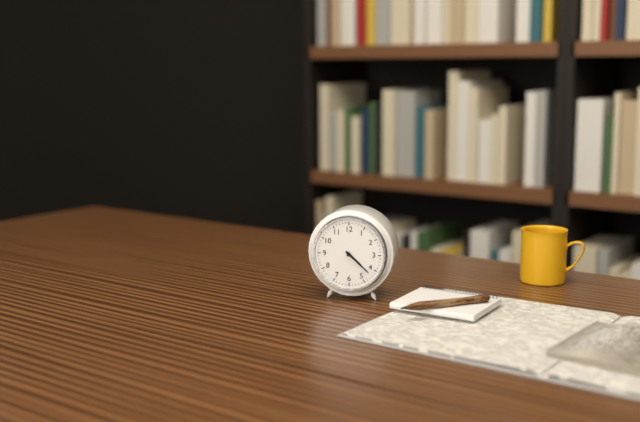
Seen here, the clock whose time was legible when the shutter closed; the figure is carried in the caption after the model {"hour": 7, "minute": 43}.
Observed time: {"hour": 4, "minute": 22}
